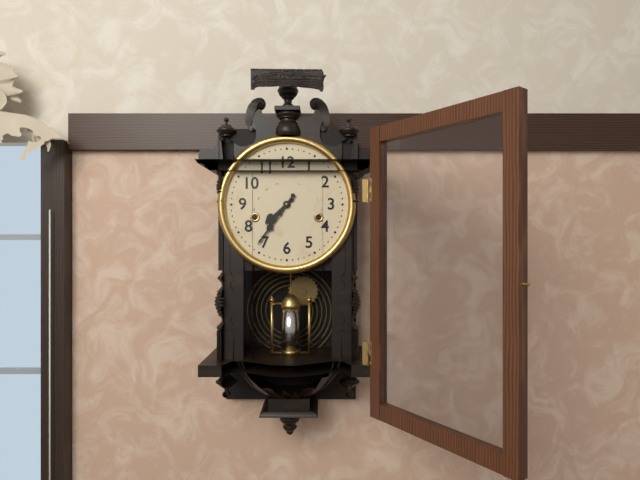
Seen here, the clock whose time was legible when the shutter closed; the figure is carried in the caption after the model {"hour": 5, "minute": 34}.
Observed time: {"hour": 7, "minute": 36}
